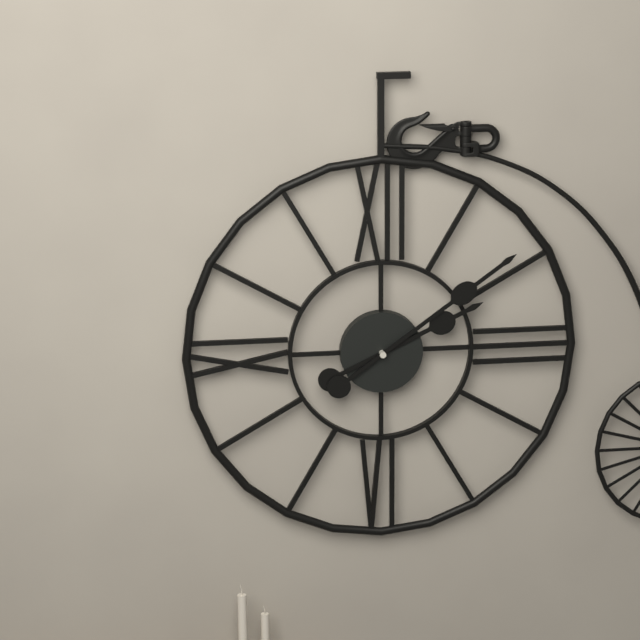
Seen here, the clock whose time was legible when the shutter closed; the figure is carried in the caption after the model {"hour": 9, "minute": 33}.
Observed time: {"hour": 2, "minute": 9}
